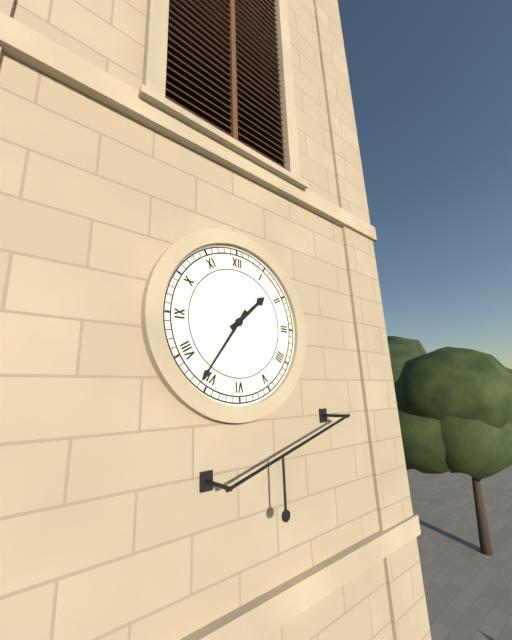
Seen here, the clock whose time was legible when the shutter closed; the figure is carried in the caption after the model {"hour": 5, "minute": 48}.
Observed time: {"hour": 1, "minute": 36}
